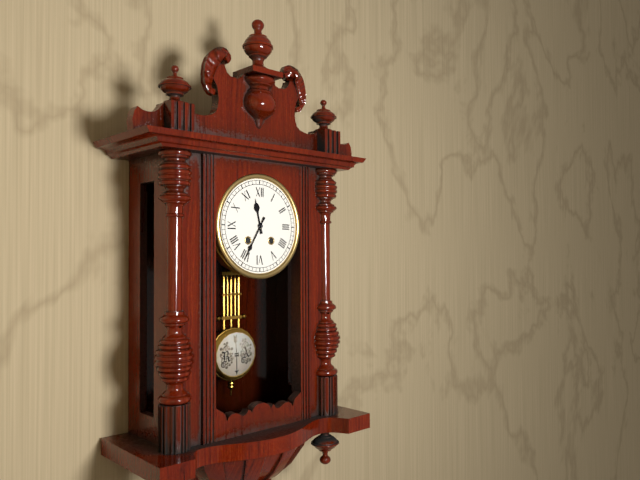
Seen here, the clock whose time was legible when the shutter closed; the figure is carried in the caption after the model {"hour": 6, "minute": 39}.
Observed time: {"hour": 11, "minute": 35}
